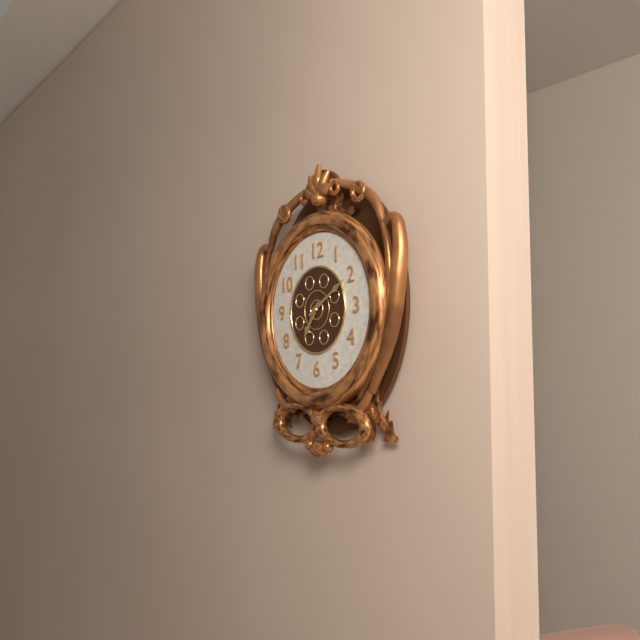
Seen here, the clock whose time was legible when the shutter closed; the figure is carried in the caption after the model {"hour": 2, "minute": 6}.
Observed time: {"hour": 7, "minute": 10}
